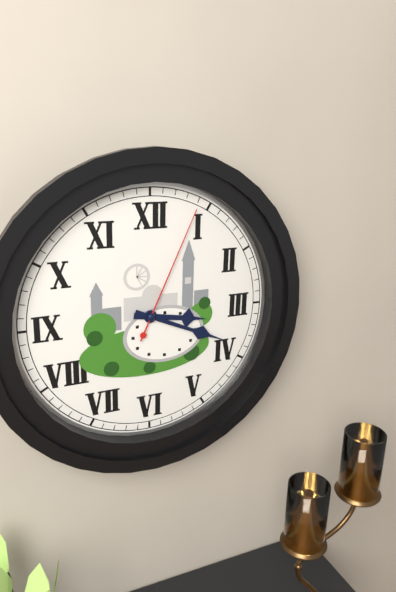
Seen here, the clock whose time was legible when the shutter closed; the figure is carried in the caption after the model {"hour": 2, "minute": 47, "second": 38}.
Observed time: {"hour": 3, "minute": 19, "second": 4}
